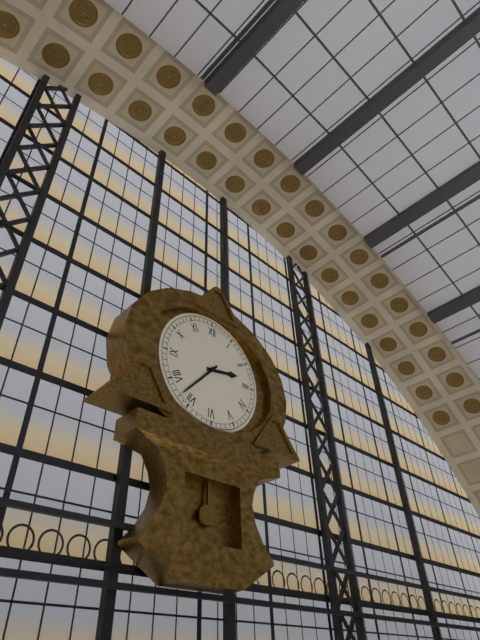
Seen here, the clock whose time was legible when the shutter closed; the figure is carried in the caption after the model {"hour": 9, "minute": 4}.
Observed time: {"hour": 2, "minute": 37}
